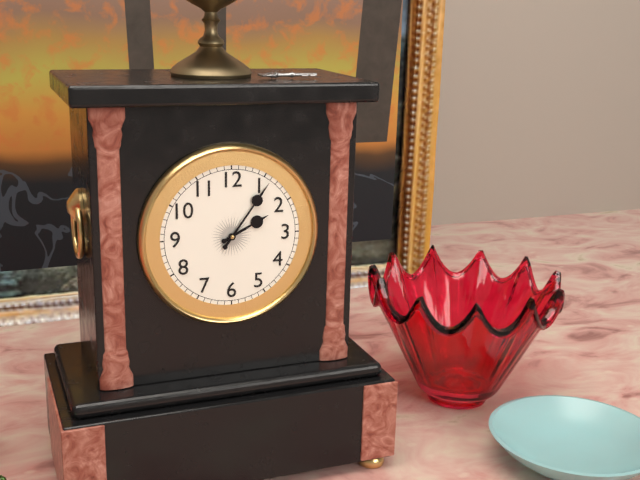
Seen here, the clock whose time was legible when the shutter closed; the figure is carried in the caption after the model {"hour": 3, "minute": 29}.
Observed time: {"hour": 2, "minute": 6}
